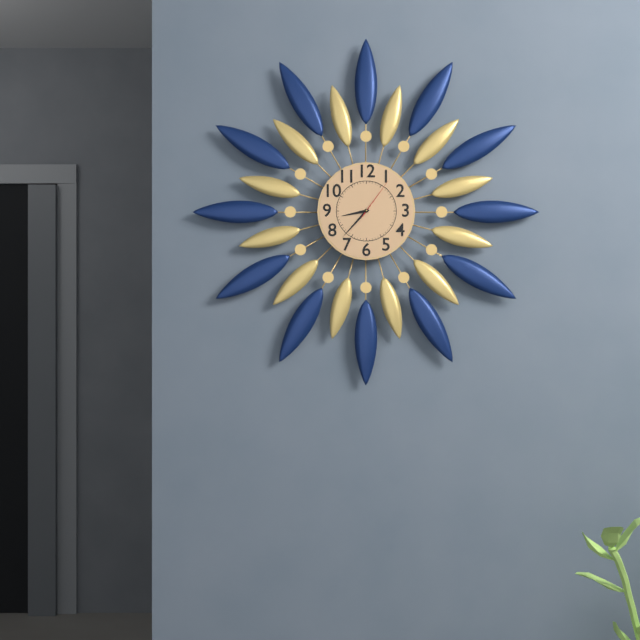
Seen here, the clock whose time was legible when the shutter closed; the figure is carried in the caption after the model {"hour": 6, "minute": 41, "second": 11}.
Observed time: {"hour": 8, "minute": 37, "second": 6}
